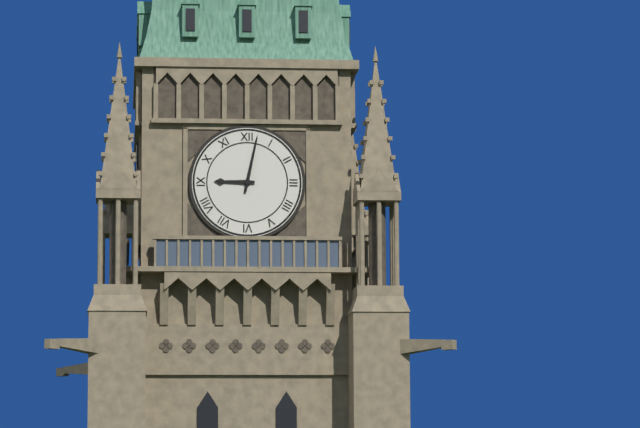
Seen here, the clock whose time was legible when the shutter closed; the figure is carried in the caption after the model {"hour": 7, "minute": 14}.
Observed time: {"hour": 9, "minute": 2}
